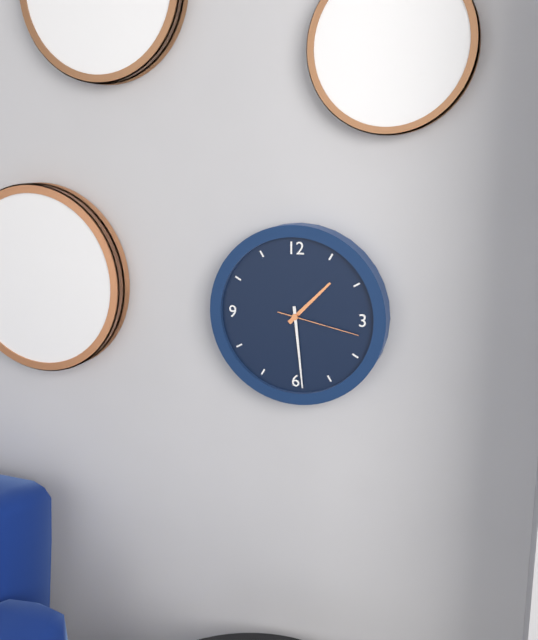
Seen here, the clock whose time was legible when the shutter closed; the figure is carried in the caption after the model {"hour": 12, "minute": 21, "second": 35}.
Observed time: {"hour": 1, "minute": 29, "second": 17}
